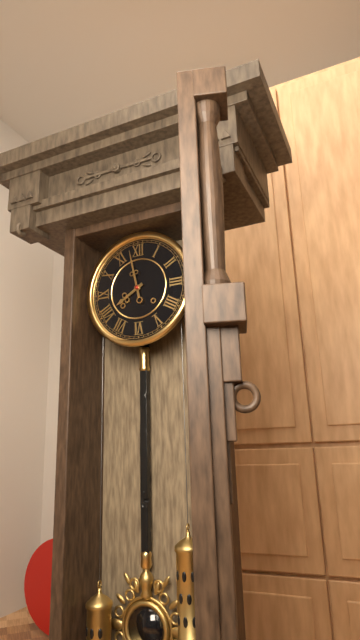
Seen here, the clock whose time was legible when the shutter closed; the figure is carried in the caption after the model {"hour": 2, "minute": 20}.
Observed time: {"hour": 7, "minute": 58}
